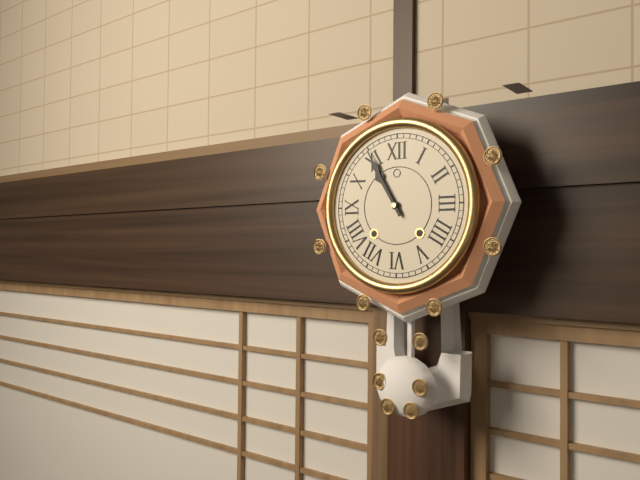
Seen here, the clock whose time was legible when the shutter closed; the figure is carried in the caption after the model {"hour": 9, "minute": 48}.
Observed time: {"hour": 10, "minute": 55}
